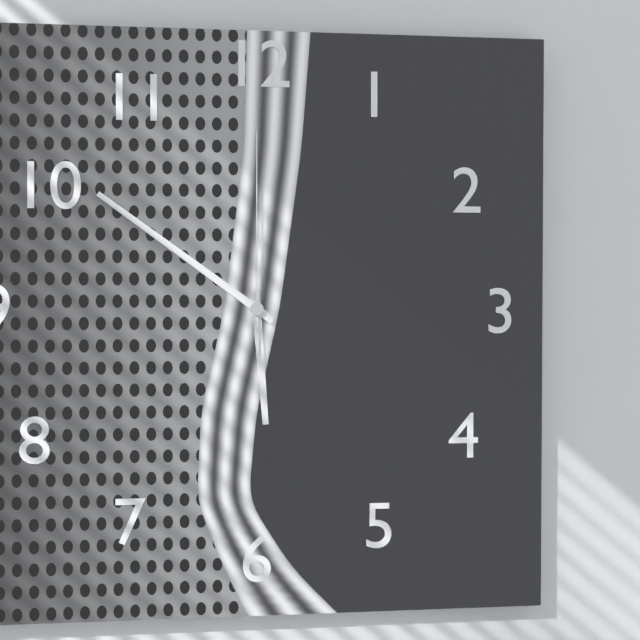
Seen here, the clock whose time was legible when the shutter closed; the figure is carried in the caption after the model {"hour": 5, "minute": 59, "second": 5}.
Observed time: {"hour": 5, "minute": 51, "second": 0}
